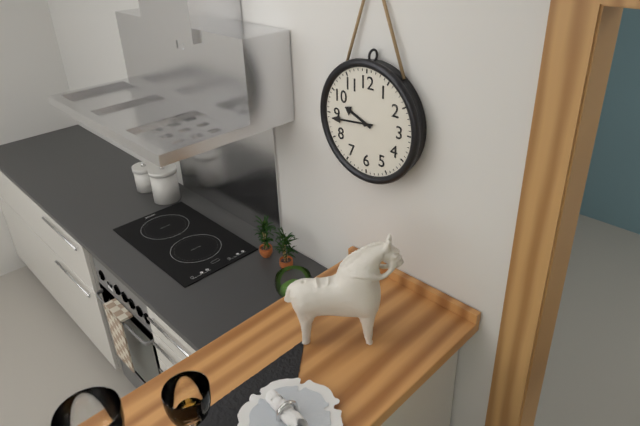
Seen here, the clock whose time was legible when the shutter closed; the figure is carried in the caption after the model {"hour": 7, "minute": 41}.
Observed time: {"hour": 9, "minute": 44}
